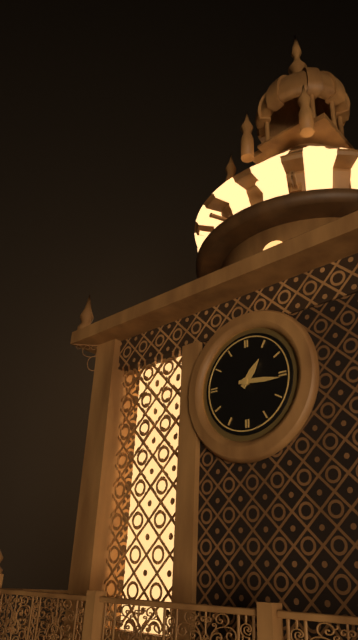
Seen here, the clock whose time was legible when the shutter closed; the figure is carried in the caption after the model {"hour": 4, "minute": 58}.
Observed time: {"hour": 1, "minute": 16}
